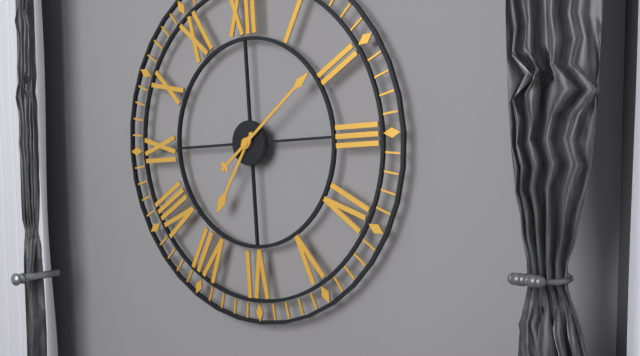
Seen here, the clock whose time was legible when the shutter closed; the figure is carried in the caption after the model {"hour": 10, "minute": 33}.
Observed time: {"hour": 7, "minute": 9}
